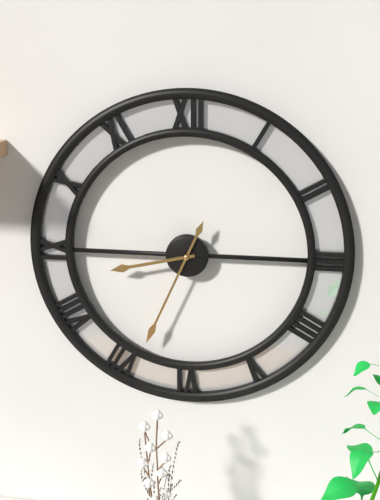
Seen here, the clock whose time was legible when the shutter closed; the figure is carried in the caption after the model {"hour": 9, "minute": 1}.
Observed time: {"hour": 8, "minute": 34}
